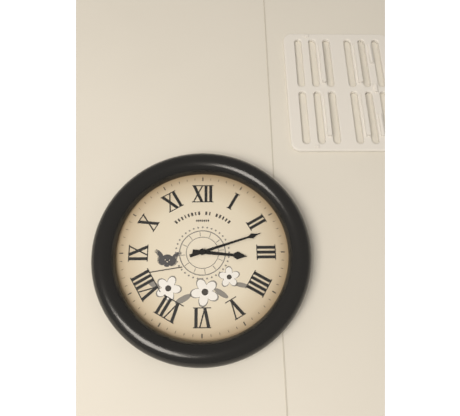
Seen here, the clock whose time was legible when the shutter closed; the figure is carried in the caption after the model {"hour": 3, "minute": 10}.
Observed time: {"hour": 3, "minute": 12}
